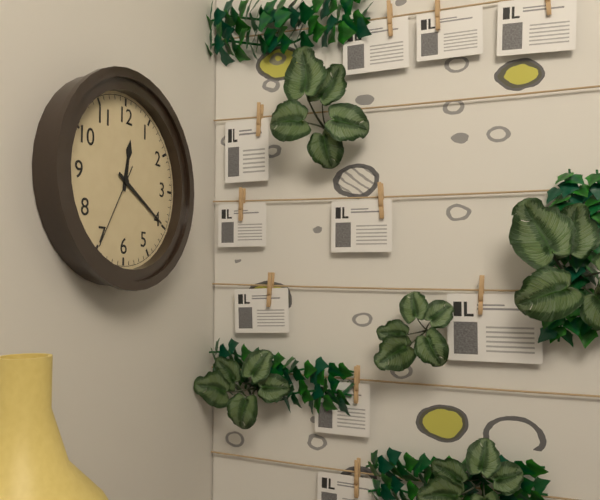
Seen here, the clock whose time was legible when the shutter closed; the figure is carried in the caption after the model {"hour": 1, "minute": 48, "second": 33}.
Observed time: {"hour": 12, "minute": 20, "second": 35}
